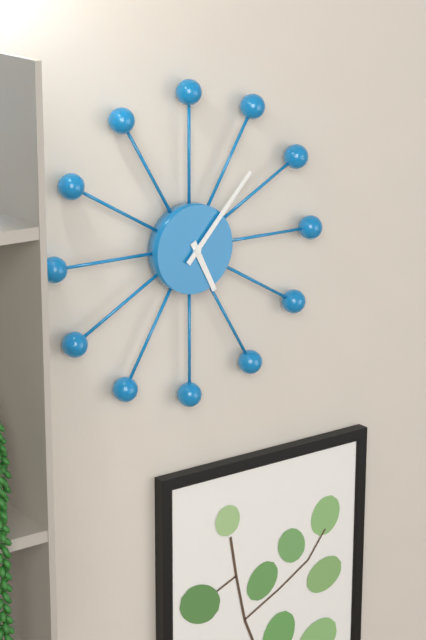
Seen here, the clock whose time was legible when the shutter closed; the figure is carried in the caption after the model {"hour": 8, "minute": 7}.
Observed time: {"hour": 5, "minute": 7}
